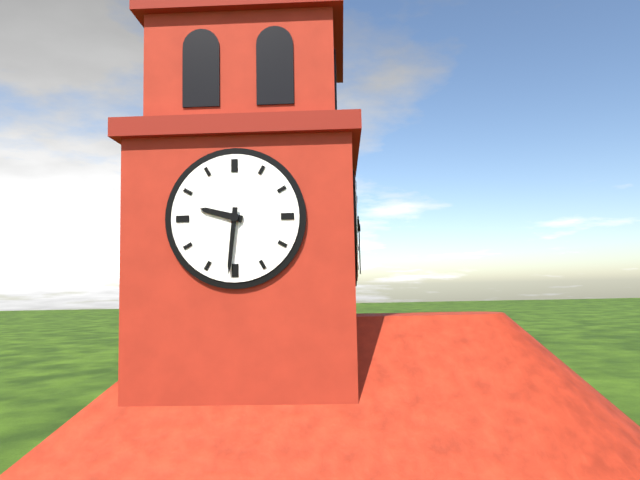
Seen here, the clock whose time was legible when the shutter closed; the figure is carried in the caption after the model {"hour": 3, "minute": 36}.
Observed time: {"hour": 9, "minute": 31}
